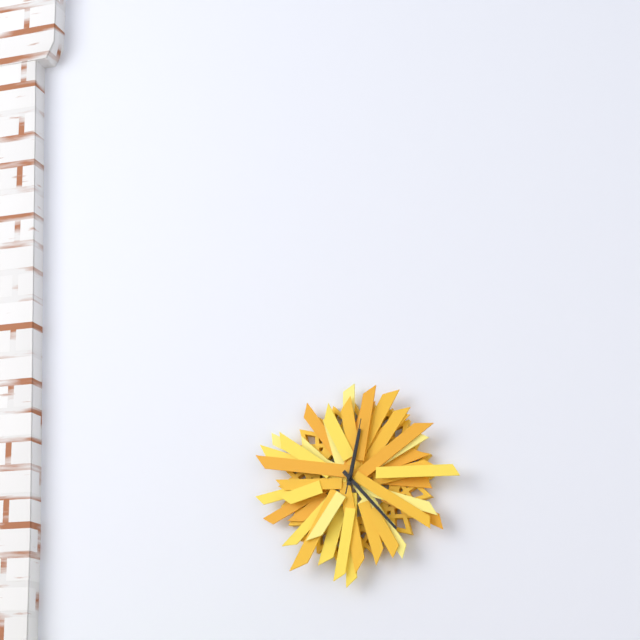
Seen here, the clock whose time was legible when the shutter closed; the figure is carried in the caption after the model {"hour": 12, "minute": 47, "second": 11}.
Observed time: {"hour": 12, "minute": 23, "second": 2}
